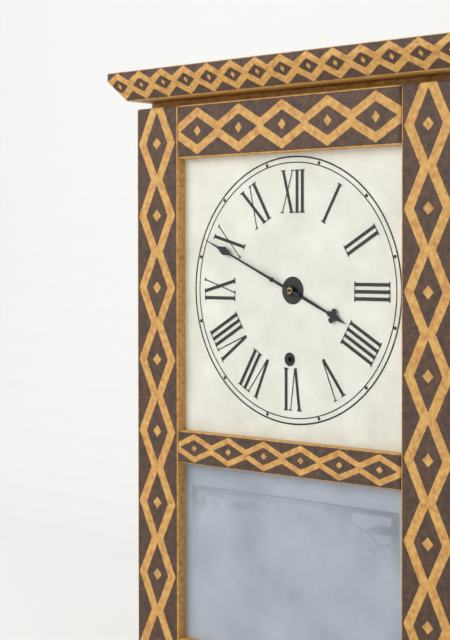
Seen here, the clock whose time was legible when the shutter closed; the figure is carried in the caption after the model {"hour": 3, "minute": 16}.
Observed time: {"hour": 3, "minute": 49}
